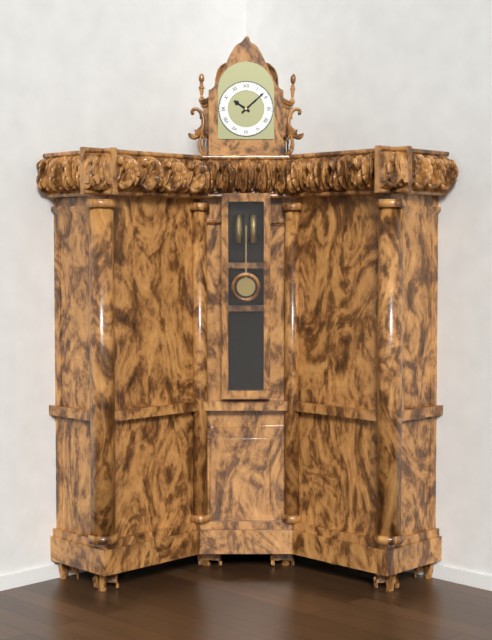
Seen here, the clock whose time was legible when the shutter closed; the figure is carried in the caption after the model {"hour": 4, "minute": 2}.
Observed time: {"hour": 10, "minute": 8}
